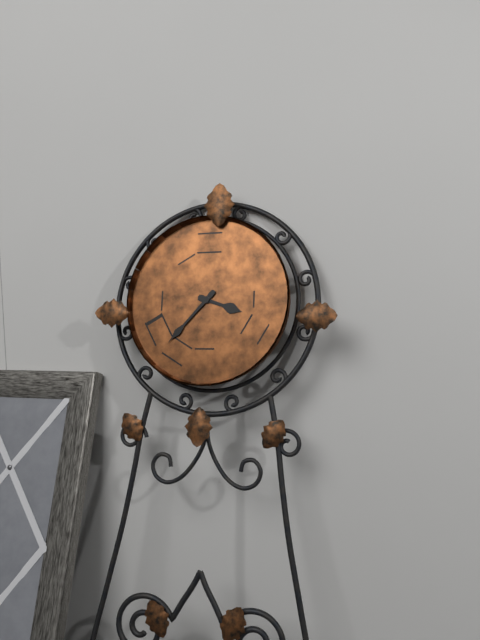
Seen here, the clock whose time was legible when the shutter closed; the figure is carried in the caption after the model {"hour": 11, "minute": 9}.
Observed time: {"hour": 3, "minute": 37}
